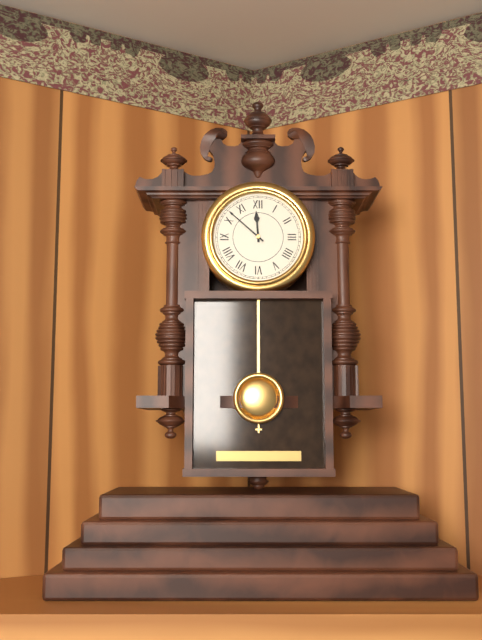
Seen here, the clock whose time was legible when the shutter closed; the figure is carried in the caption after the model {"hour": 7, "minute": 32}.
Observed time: {"hour": 11, "minute": 52}
